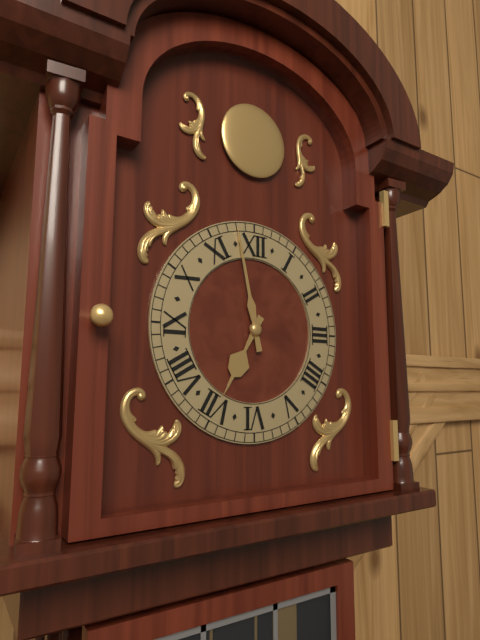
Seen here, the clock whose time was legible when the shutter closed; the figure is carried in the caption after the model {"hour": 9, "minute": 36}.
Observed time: {"hour": 6, "minute": 58}
